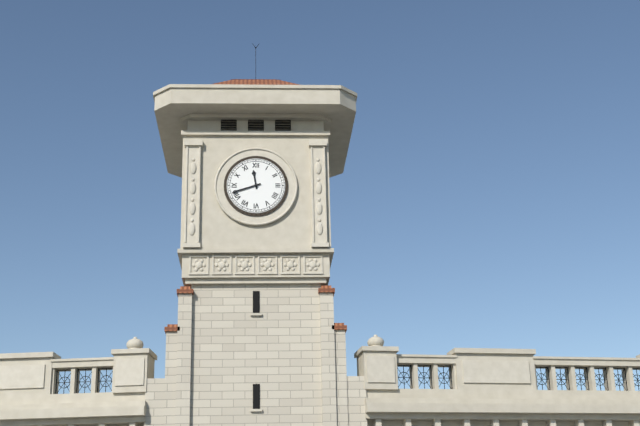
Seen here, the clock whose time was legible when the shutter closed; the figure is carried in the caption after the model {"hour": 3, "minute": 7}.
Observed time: {"hour": 11, "minute": 42}
